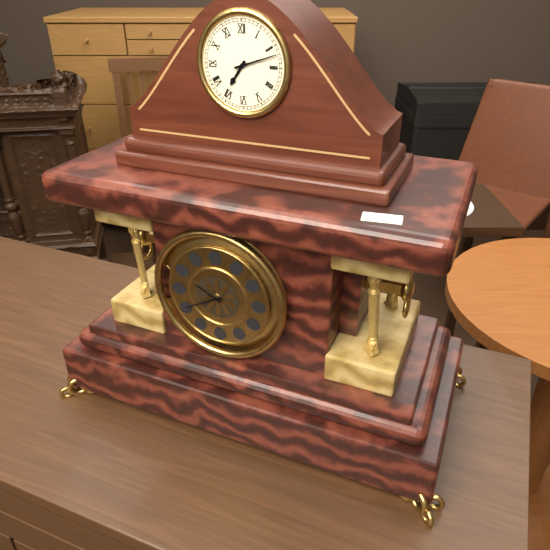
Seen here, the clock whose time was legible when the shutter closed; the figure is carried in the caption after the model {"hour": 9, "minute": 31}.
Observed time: {"hour": 7, "minute": 12}
